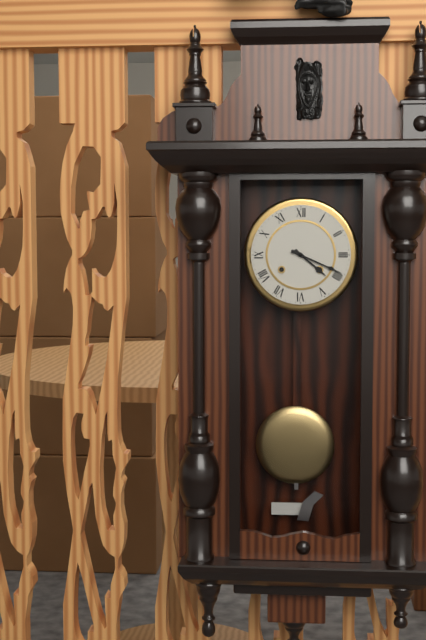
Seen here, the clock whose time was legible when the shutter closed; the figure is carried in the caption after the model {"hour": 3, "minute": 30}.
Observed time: {"hour": 4, "minute": 19}
